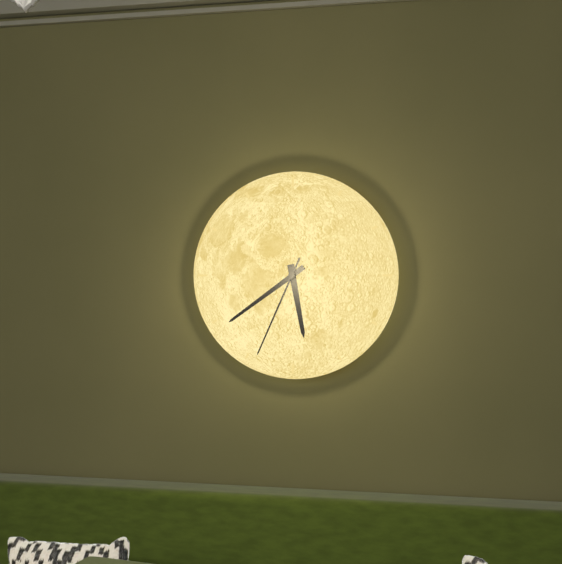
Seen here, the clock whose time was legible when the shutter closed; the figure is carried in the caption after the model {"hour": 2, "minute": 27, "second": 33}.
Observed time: {"hour": 5, "minute": 39, "second": 34}
